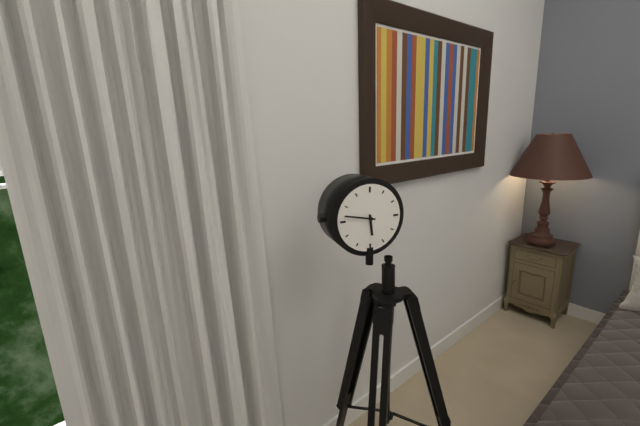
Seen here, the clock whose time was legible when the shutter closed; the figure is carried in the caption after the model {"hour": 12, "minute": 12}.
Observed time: {"hour": 5, "minute": 47}
